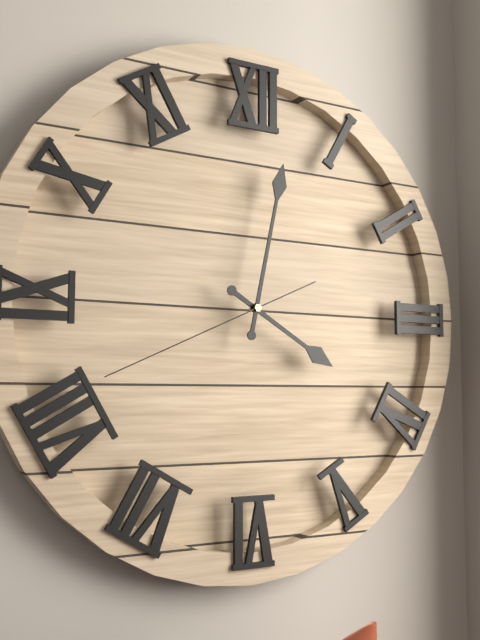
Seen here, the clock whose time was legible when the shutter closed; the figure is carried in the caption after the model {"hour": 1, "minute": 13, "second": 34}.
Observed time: {"hour": 4, "minute": 2, "second": 41}
